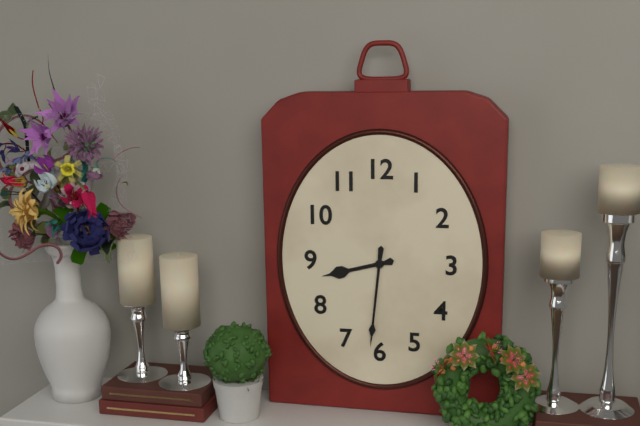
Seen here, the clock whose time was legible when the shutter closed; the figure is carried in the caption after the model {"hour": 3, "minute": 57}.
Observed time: {"hour": 8, "minute": 31}
